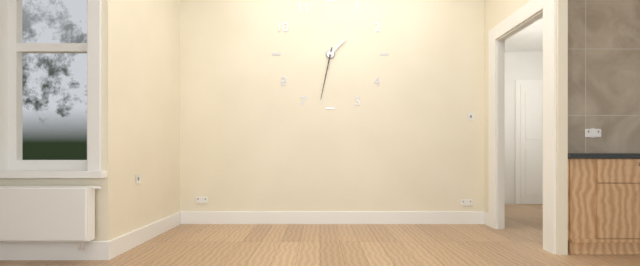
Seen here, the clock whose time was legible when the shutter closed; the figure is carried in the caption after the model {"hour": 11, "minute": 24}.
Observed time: {"hour": 1, "minute": 32}
